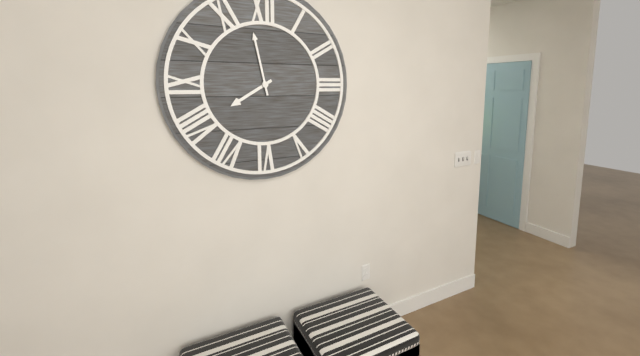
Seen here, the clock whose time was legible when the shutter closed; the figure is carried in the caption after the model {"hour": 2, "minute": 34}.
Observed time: {"hour": 7, "minute": 58}
